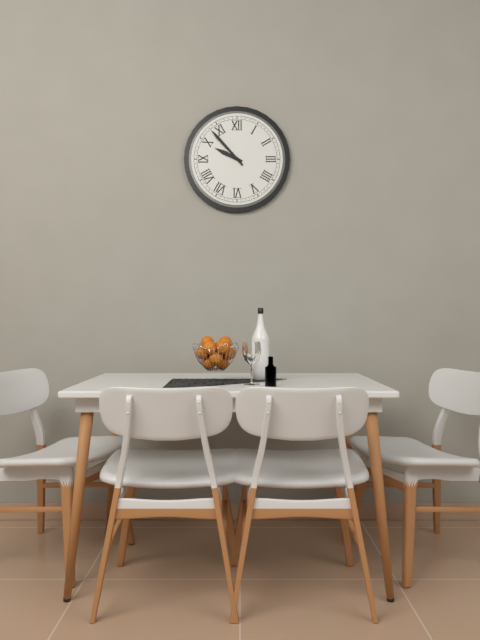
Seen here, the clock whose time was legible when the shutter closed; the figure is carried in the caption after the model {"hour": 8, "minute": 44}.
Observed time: {"hour": 9, "minute": 53}
